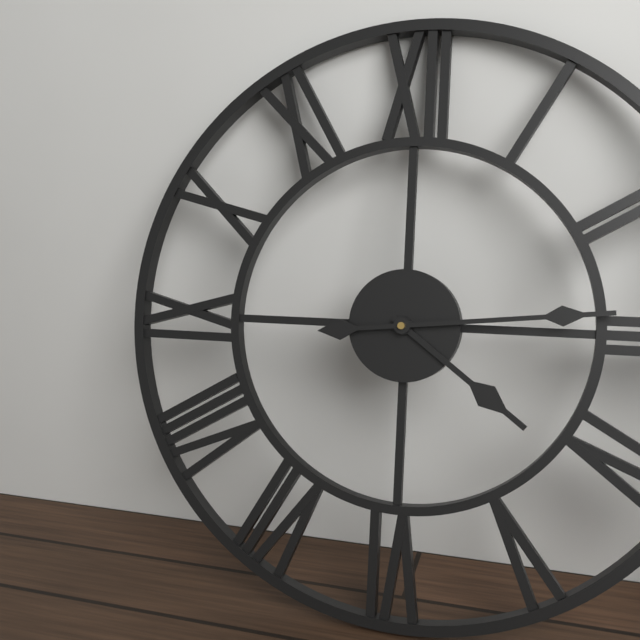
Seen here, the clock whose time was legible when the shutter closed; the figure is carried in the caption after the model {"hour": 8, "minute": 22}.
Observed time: {"hour": 4, "minute": 14}
